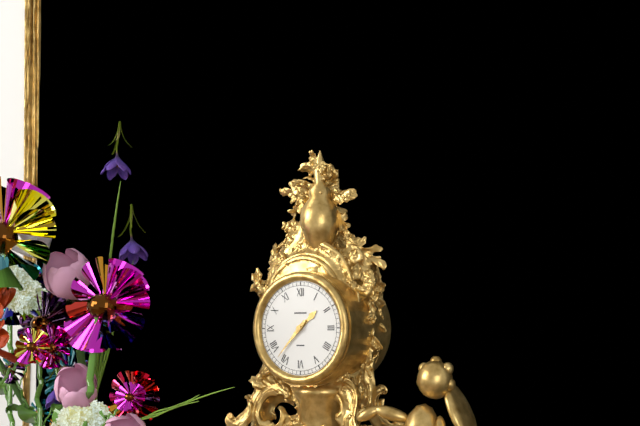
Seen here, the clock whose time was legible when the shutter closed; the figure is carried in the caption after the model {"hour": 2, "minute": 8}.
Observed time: {"hour": 1, "minute": 37}
